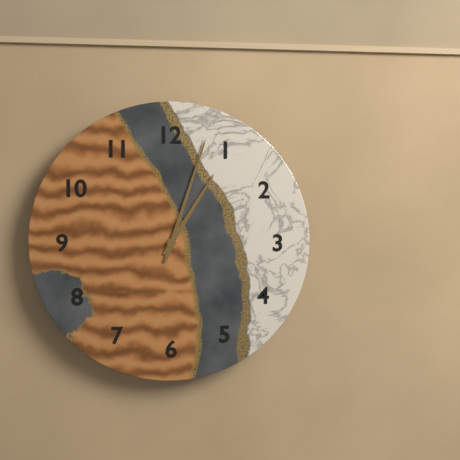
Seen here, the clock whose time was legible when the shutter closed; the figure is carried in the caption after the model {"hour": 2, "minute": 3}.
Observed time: {"hour": 1, "minute": 3}
